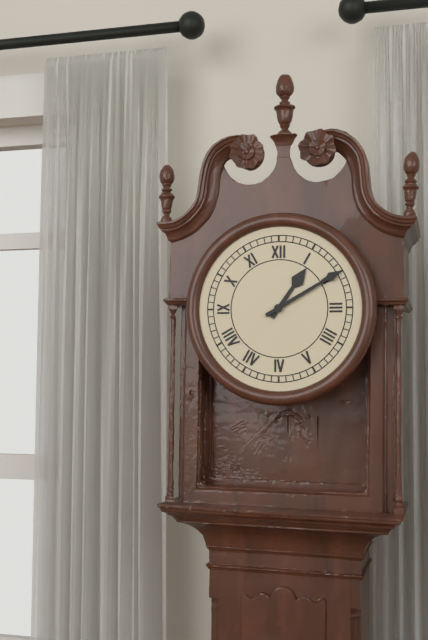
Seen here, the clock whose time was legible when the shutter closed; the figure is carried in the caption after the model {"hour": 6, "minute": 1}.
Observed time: {"hour": 1, "minute": 10}
